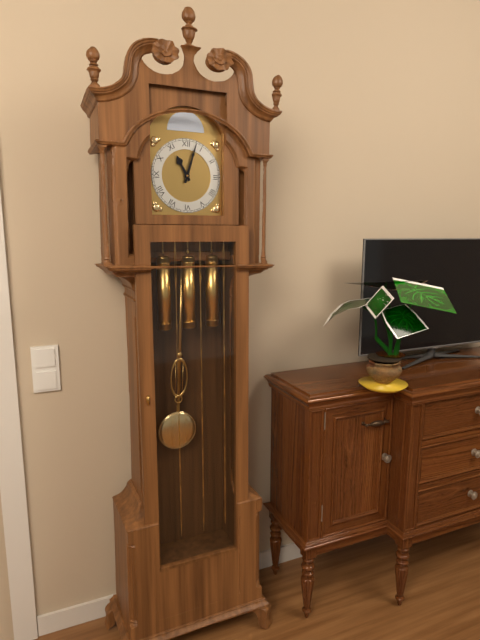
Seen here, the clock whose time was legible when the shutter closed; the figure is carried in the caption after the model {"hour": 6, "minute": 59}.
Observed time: {"hour": 11, "minute": 3}
